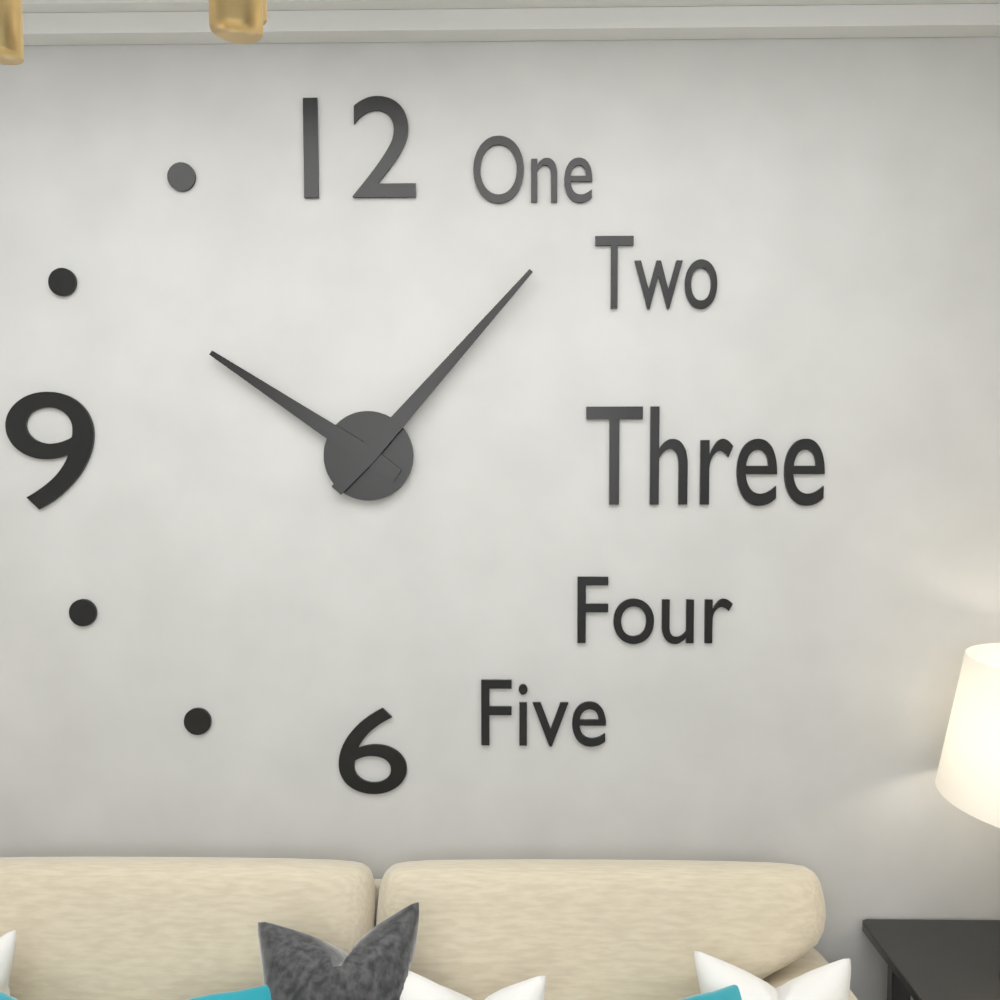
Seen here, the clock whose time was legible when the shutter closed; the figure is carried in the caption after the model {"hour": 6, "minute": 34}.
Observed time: {"hour": 10, "minute": 7}
